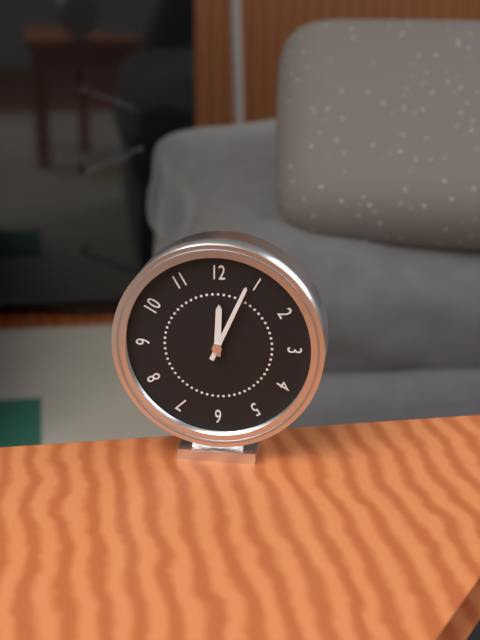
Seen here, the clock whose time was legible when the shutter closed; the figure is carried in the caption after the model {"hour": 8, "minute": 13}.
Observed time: {"hour": 12, "minute": 4}
